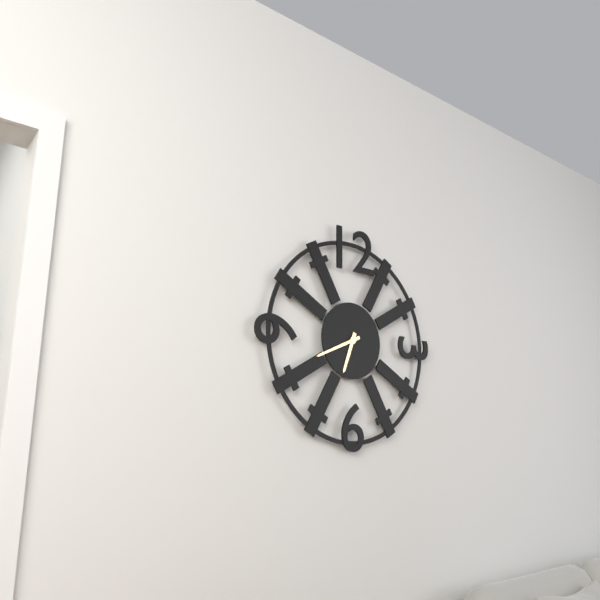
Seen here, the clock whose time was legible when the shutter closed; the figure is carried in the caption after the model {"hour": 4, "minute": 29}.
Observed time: {"hour": 6, "minute": 41}
